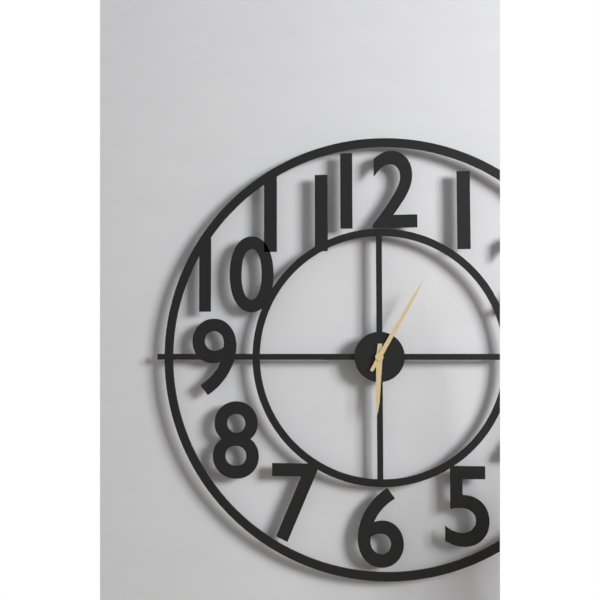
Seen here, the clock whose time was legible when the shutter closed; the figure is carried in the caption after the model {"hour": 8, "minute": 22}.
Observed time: {"hour": 6, "minute": 5}
